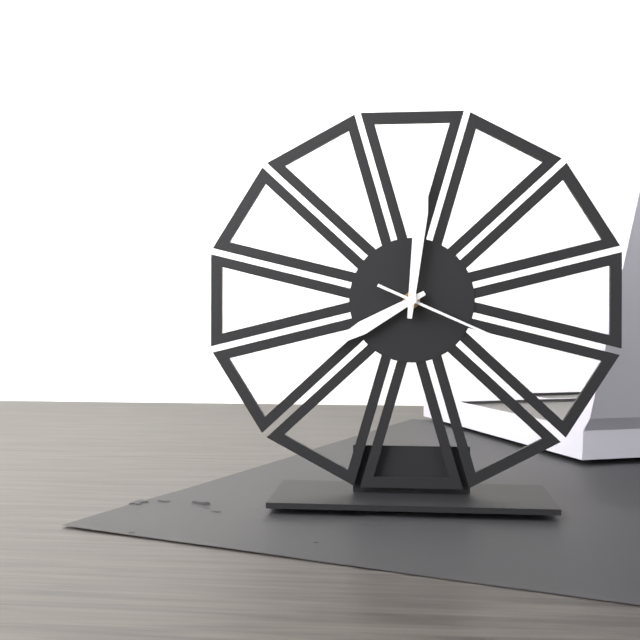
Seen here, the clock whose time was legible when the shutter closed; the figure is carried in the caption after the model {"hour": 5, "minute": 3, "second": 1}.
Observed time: {"hour": 8, "minute": 1, "second": 19}
